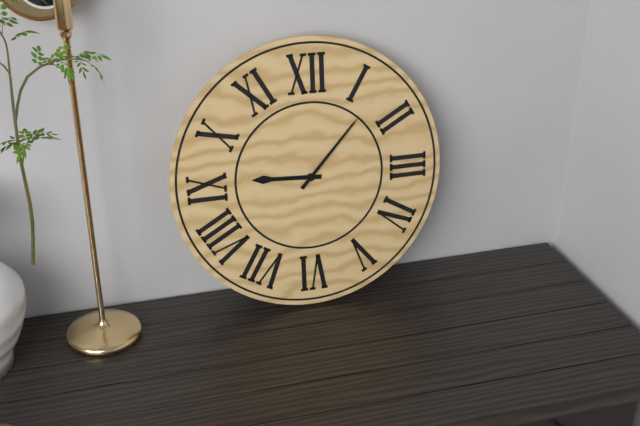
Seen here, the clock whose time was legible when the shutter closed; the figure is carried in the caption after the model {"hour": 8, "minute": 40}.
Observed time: {"hour": 9, "minute": 7}
